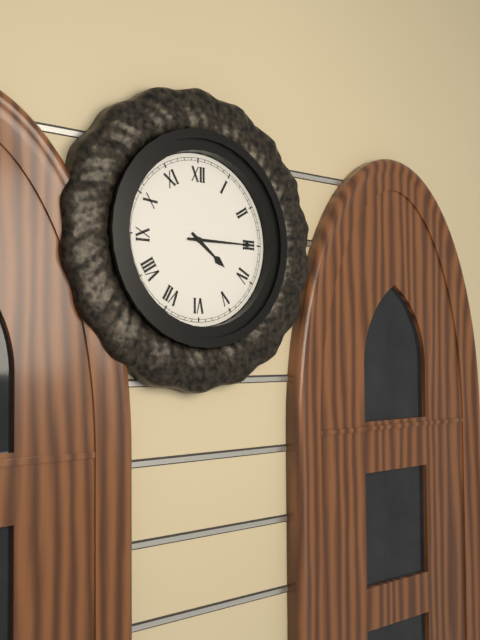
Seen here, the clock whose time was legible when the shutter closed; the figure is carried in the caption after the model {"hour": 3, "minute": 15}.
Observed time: {"hour": 4, "minute": 15}
